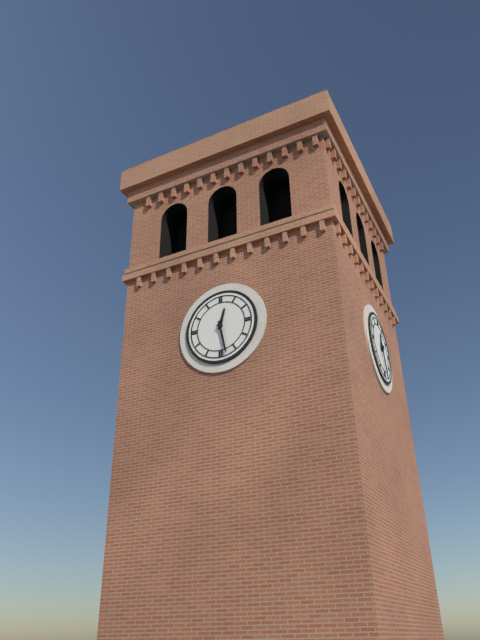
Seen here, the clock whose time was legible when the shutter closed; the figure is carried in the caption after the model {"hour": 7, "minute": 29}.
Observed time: {"hour": 12, "minute": 28}
